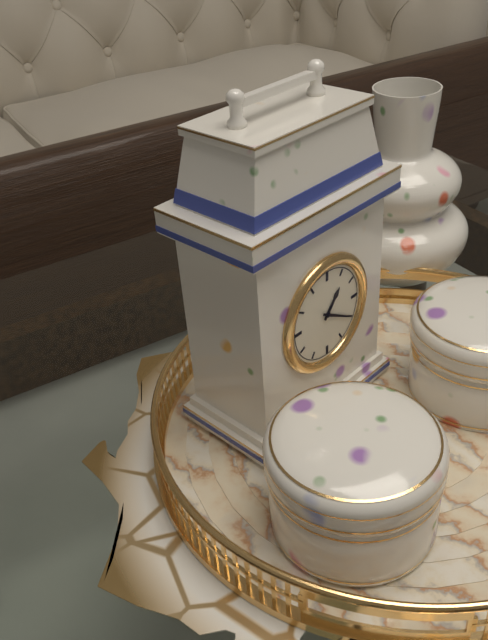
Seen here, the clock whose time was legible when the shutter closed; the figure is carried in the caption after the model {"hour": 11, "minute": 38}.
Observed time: {"hour": 1, "minute": 20}
